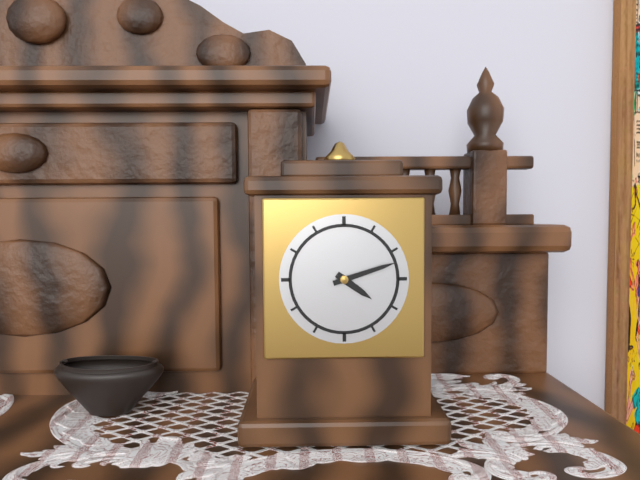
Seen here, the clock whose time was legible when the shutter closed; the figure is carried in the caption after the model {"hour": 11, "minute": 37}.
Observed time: {"hour": 4, "minute": 12}
